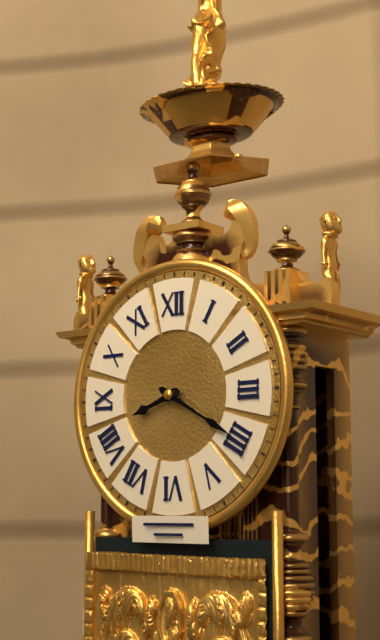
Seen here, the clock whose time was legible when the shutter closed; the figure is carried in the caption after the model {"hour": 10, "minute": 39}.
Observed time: {"hour": 8, "minute": 20}
